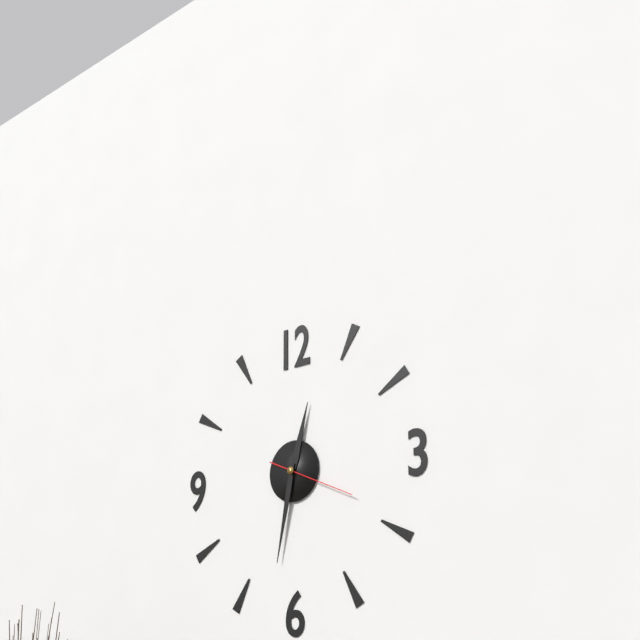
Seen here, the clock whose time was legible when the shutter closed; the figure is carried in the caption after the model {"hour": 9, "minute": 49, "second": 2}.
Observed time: {"hour": 12, "minute": 32, "second": 19}
